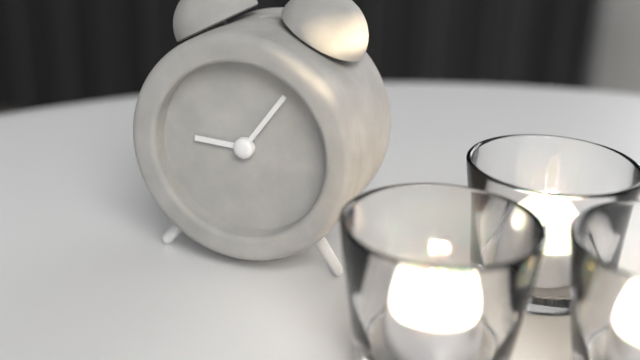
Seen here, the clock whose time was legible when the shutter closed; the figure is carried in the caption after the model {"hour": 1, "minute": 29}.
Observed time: {"hour": 9, "minute": 6}
